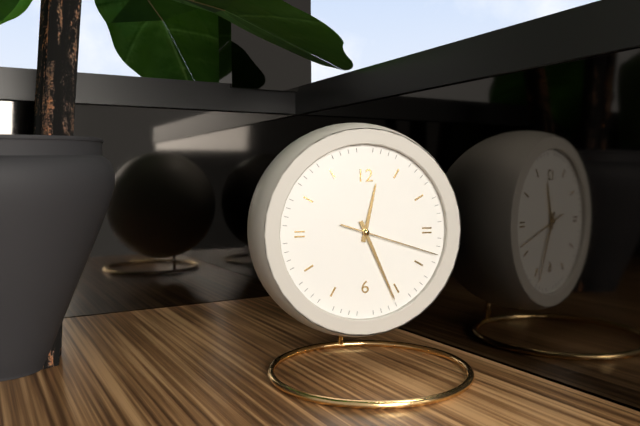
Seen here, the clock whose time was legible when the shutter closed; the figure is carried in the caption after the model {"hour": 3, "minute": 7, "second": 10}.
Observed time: {"hour": 12, "minute": 26, "second": 18}
